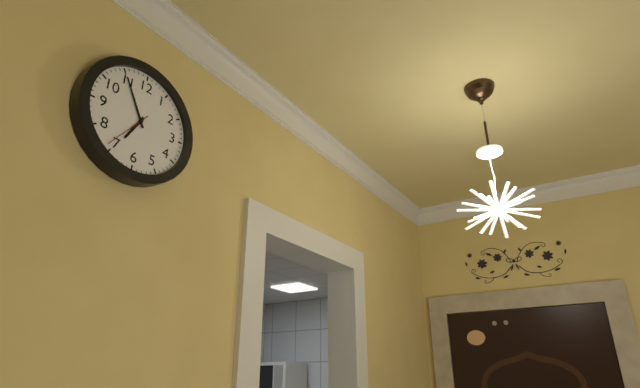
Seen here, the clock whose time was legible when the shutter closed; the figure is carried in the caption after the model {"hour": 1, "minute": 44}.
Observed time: {"hour": 6, "minute": 55}
